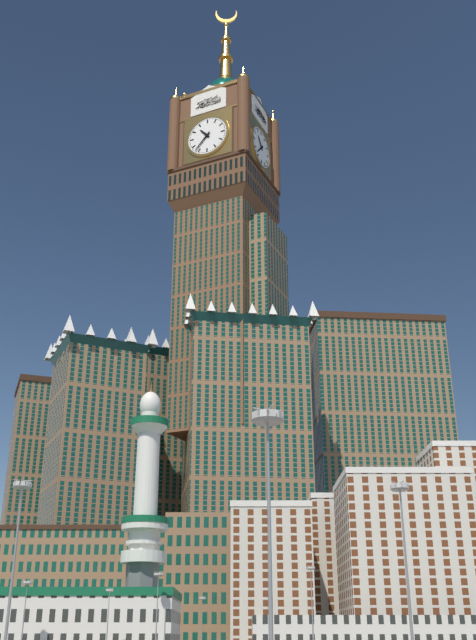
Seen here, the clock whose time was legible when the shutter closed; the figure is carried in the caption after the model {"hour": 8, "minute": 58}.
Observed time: {"hour": 10, "minute": 37}
